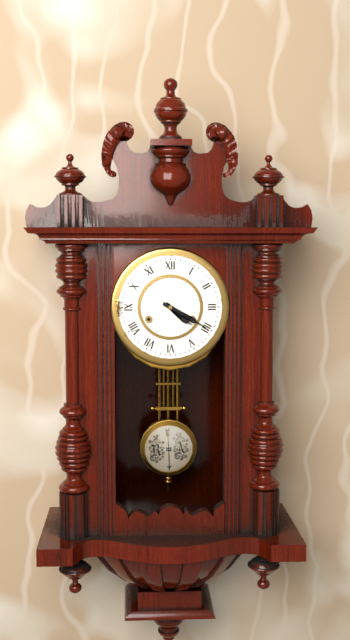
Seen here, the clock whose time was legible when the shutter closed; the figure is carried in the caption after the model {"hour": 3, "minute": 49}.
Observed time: {"hour": 4, "minute": 20}
